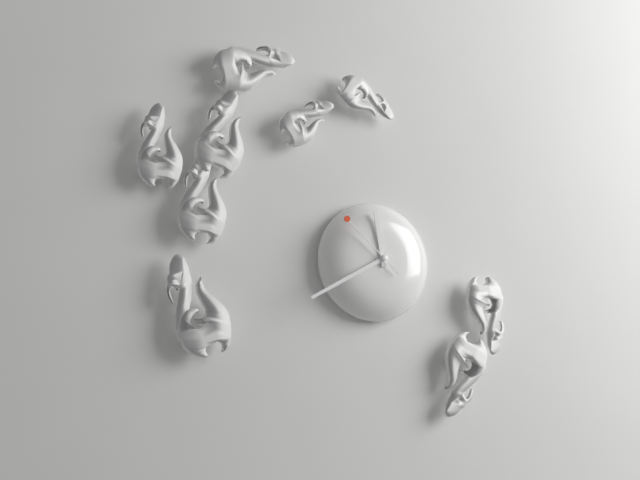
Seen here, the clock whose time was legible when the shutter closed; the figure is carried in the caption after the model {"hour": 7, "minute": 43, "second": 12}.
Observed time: {"hour": 11, "minute": 40, "second": 52}
